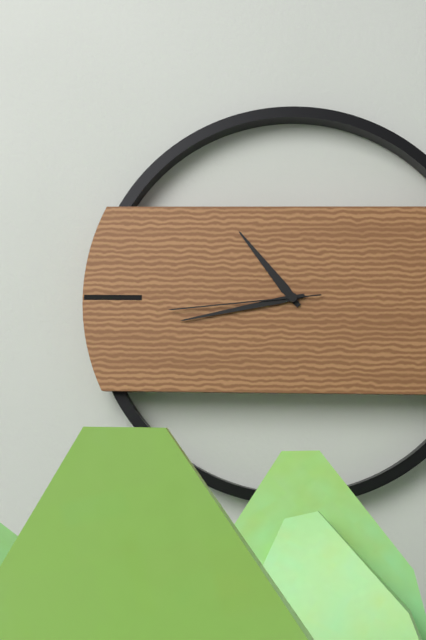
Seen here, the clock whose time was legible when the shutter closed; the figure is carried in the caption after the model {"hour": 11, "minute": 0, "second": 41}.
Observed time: {"hour": 10, "minute": 43, "second": 44}
